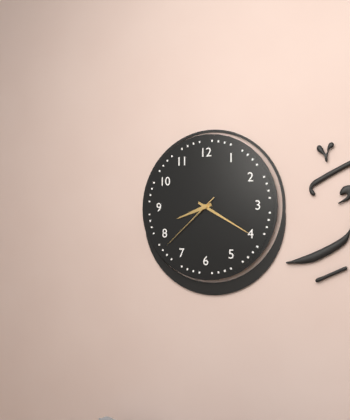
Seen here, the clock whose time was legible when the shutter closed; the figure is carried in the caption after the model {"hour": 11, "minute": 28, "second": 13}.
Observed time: {"hour": 8, "minute": 20, "second": 38}
